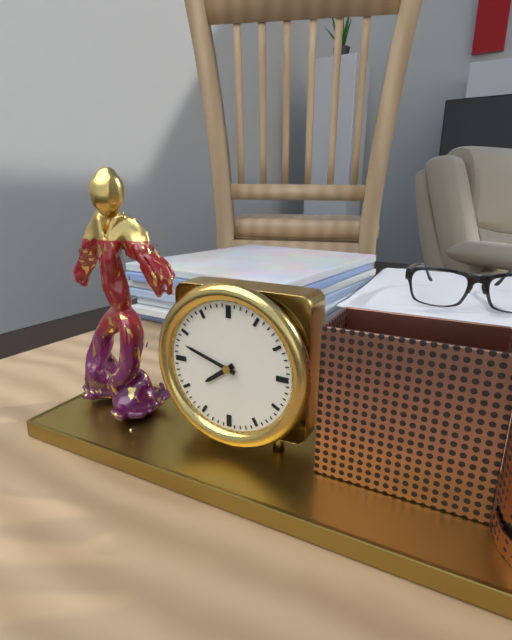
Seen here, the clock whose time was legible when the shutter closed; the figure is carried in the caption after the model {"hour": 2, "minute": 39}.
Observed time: {"hour": 7, "minute": 48}
